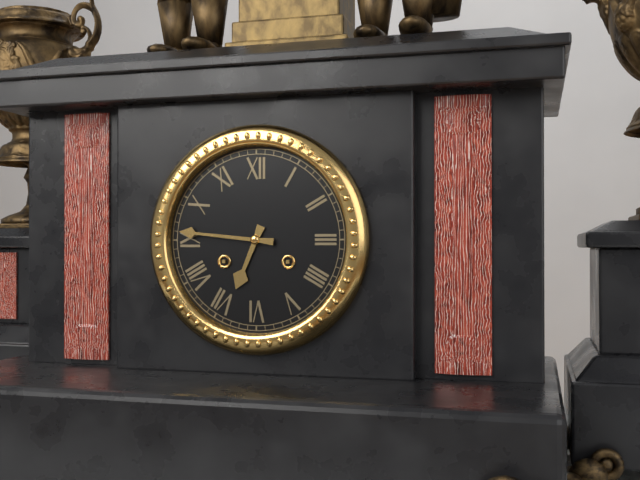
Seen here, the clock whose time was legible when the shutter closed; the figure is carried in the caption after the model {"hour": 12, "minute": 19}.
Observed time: {"hour": 6, "minute": 46}
